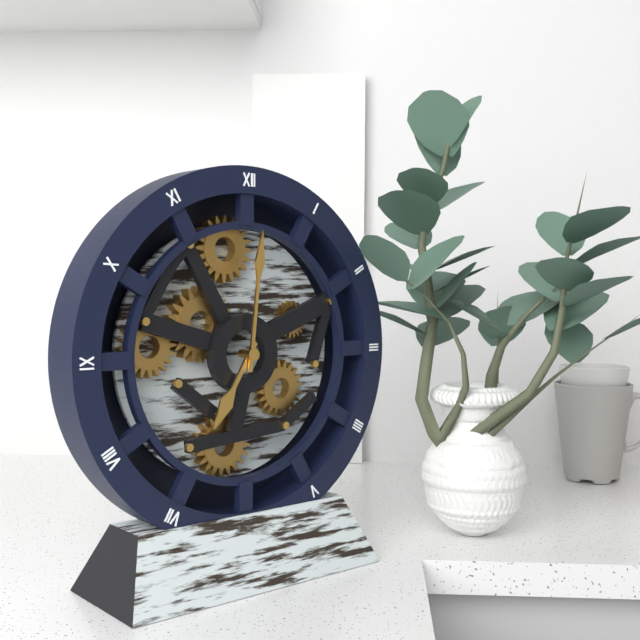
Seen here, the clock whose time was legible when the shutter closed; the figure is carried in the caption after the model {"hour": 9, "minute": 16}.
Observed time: {"hour": 7, "minute": 1}
